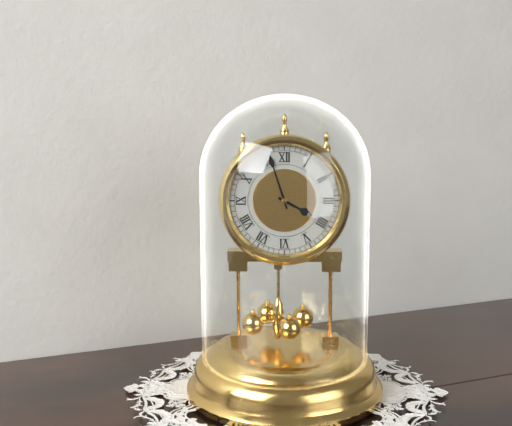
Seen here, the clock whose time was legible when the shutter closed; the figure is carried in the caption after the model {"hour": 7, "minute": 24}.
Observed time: {"hour": 3, "minute": 57}
